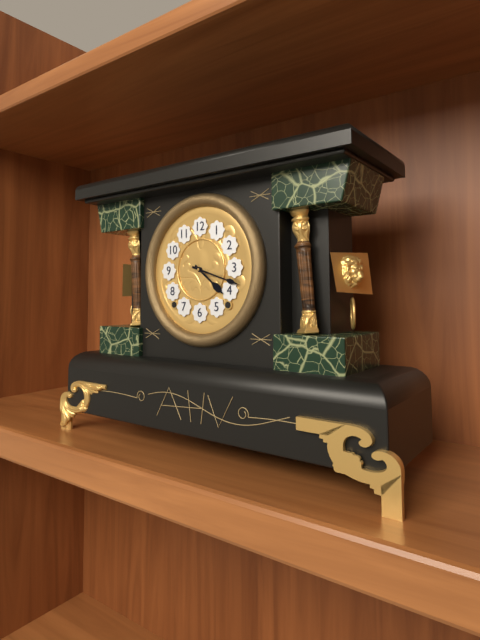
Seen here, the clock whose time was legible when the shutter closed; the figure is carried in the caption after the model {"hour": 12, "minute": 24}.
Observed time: {"hour": 4, "minute": 18}
